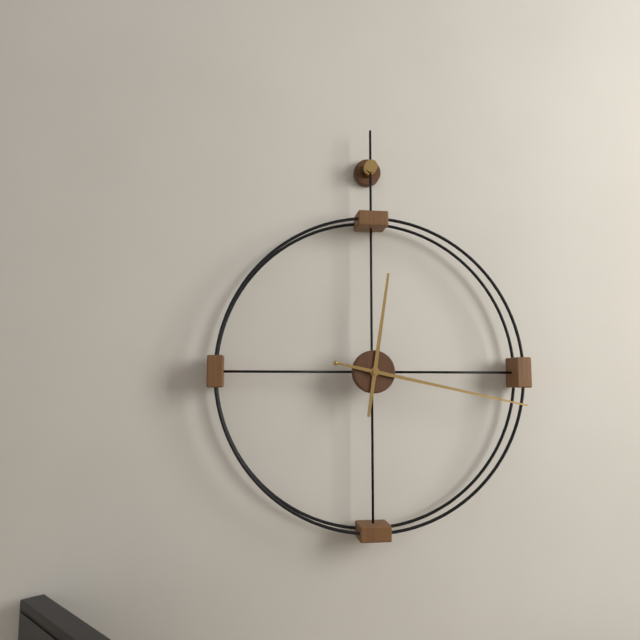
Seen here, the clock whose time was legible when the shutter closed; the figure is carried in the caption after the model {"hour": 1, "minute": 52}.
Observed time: {"hour": 12, "minute": 17}
